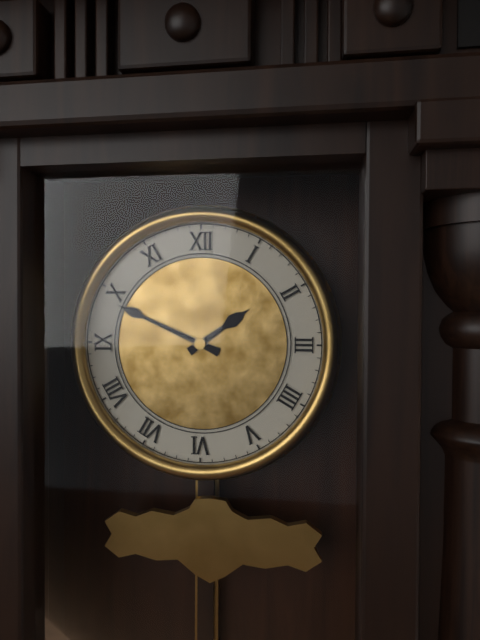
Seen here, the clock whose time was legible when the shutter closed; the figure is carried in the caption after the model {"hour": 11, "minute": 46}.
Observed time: {"hour": 1, "minute": 49}
